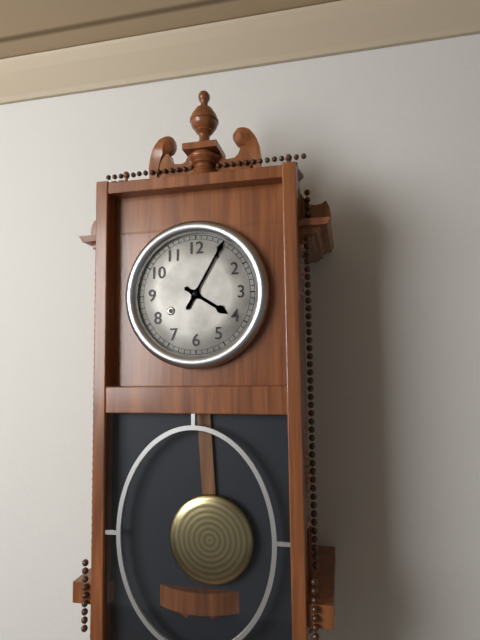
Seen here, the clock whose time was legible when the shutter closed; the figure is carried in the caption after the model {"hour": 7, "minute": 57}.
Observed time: {"hour": 4, "minute": 5}
